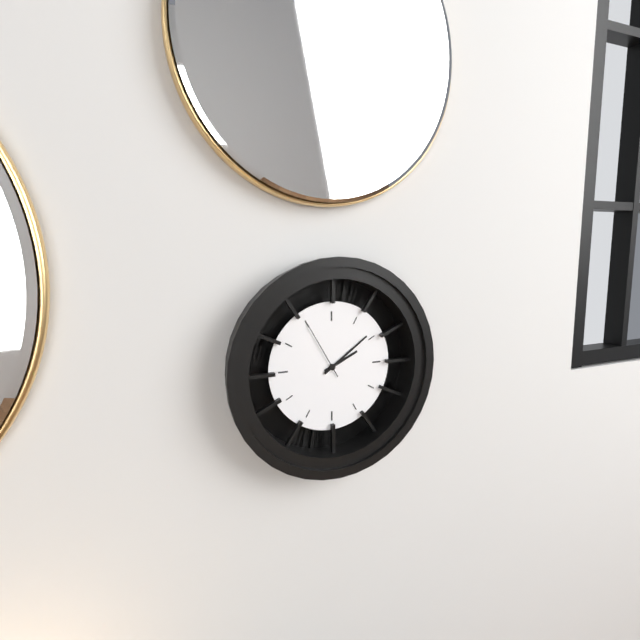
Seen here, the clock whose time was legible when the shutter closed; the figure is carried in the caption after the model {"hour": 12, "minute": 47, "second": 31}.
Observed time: {"hour": 2, "minute": 9, "second": 55}
